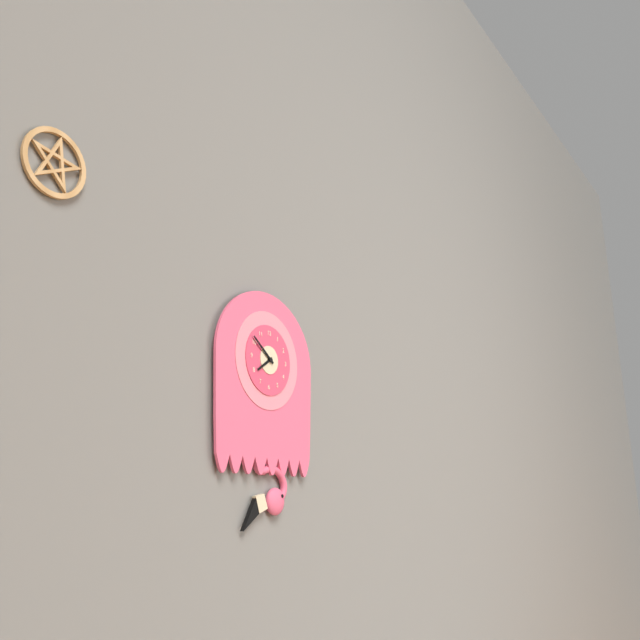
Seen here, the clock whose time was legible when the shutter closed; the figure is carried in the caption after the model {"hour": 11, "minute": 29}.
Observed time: {"hour": 7, "minute": 51}
